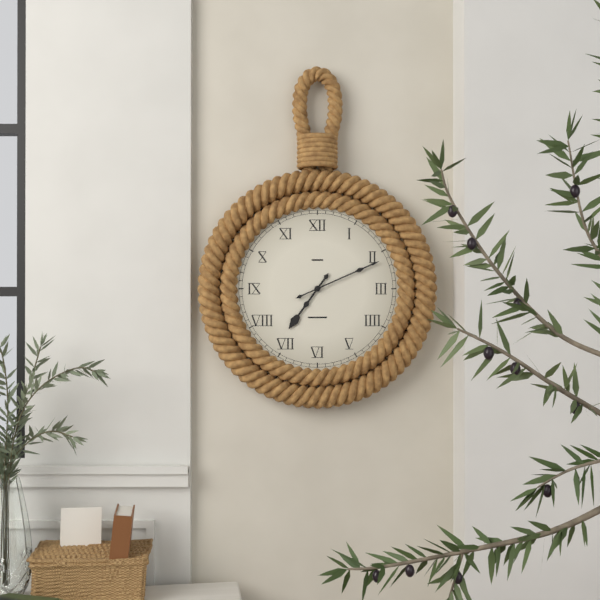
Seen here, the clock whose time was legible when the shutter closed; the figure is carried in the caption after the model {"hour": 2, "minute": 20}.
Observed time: {"hour": 7, "minute": 11}
